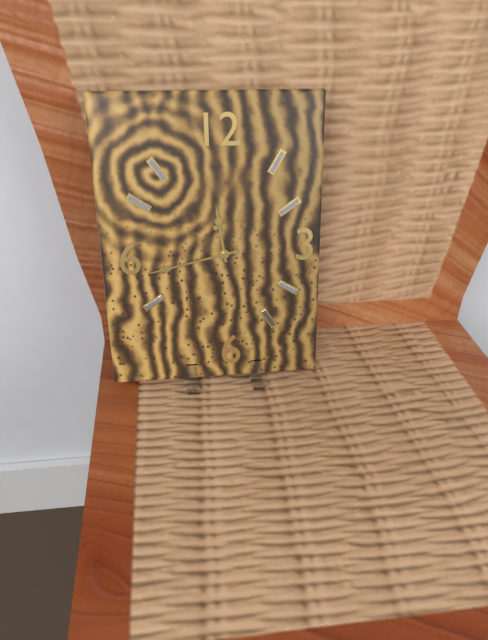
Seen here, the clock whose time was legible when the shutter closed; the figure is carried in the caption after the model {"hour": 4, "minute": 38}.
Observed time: {"hour": 11, "minute": 43}
